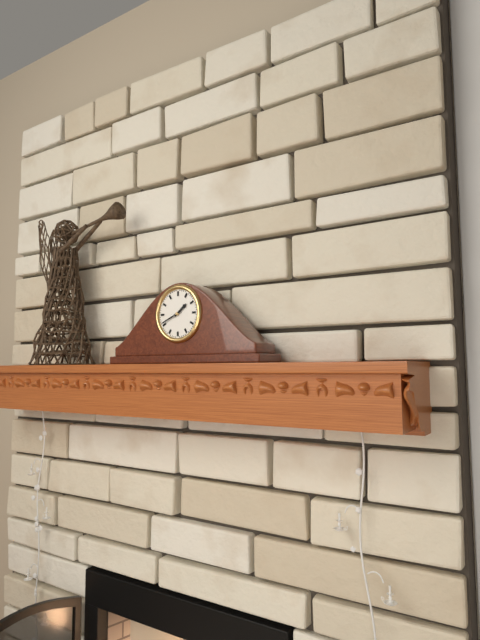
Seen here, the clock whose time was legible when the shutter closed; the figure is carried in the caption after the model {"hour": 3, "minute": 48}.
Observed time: {"hour": 1, "minute": 41}
